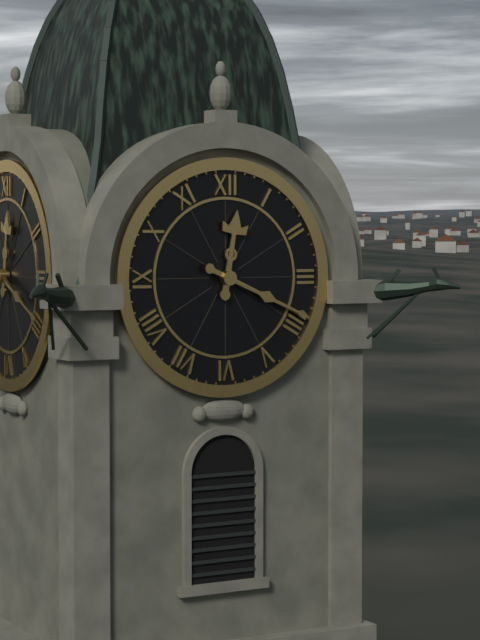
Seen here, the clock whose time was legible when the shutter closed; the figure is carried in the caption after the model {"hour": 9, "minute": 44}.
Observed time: {"hour": 12, "minute": 19}
